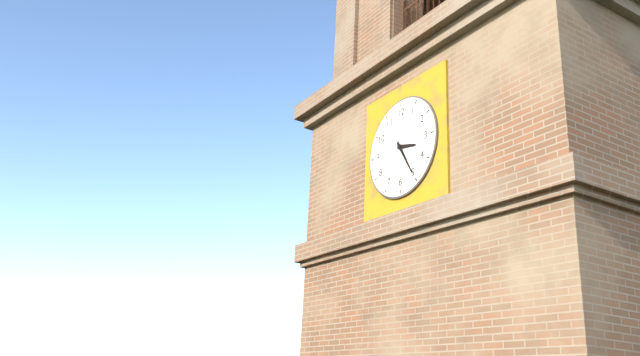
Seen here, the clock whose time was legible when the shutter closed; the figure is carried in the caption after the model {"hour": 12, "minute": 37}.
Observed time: {"hour": 3, "minute": 25}
